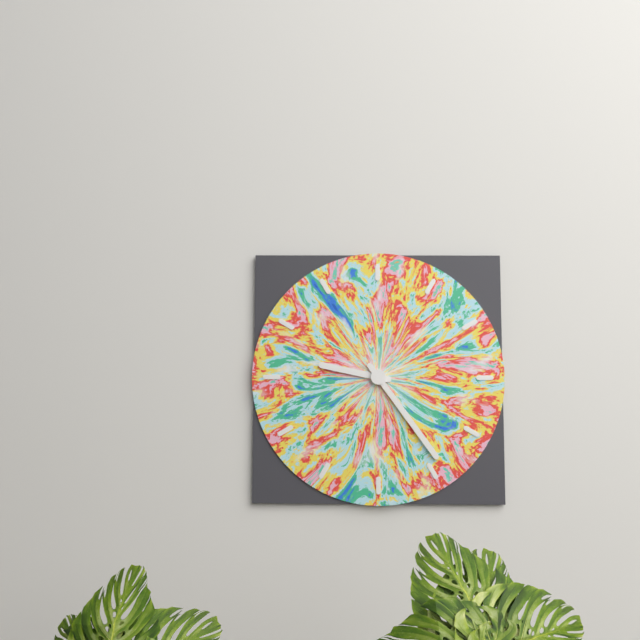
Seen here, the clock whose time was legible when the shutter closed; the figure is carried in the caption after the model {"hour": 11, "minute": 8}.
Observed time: {"hour": 9, "minute": 24}
